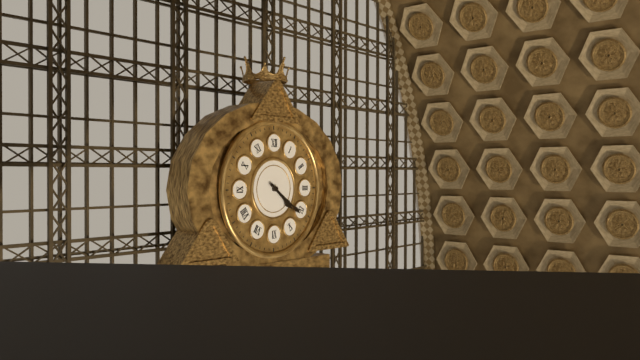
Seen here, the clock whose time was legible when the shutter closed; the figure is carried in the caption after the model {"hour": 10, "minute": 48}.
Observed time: {"hour": 4, "minute": 21}
